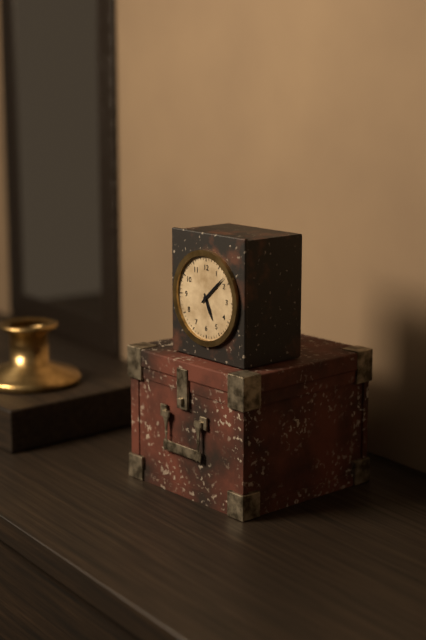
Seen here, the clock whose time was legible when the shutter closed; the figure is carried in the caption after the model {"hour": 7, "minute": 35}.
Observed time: {"hour": 5, "minute": 8}
